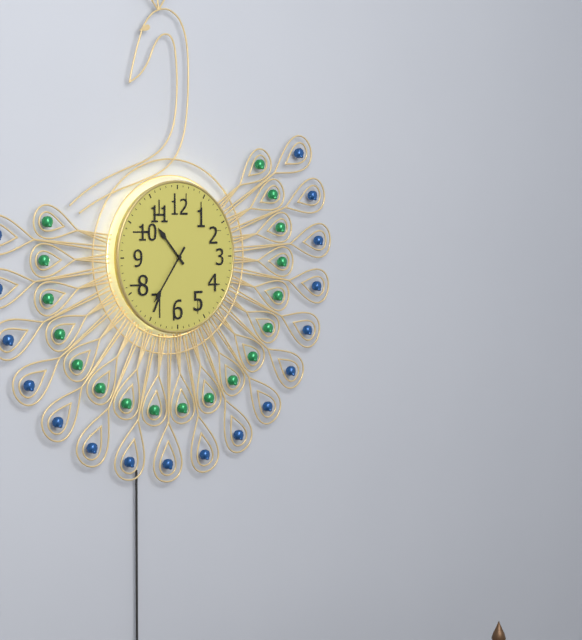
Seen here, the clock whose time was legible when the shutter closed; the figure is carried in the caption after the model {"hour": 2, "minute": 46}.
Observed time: {"hour": 10, "minute": 36}
